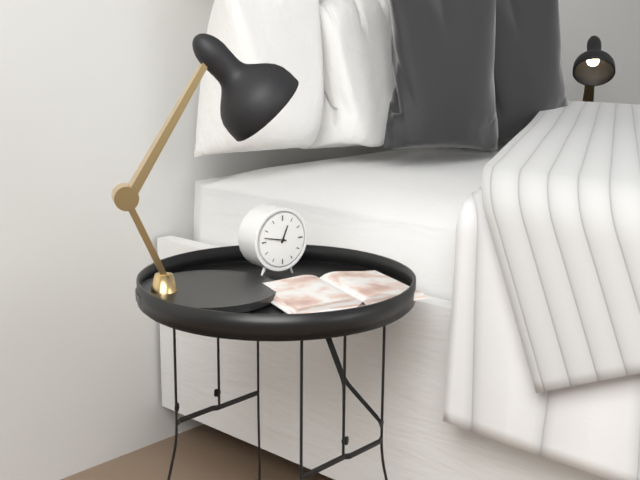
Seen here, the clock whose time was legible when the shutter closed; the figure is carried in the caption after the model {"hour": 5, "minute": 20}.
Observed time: {"hour": 12, "minute": 47}
